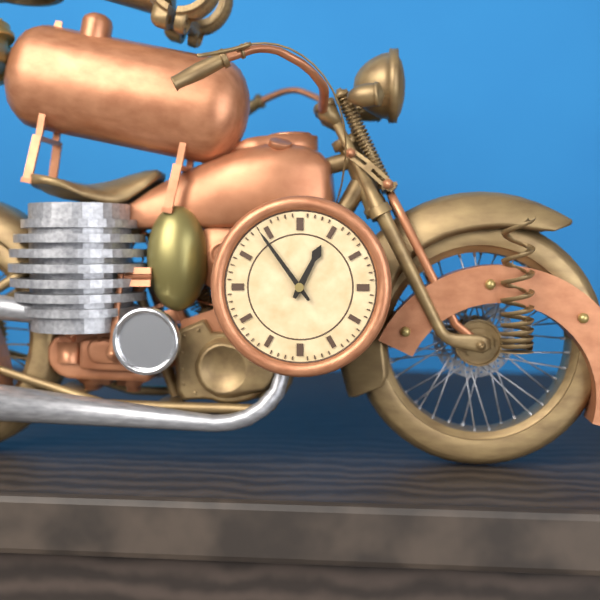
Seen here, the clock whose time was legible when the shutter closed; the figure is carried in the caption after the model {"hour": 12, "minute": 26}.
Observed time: {"hour": 12, "minute": 54}
